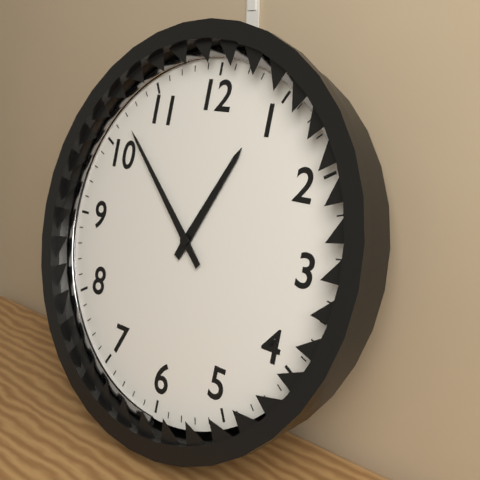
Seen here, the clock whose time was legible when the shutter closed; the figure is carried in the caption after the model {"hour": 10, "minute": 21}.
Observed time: {"hour": 12, "minute": 52}
